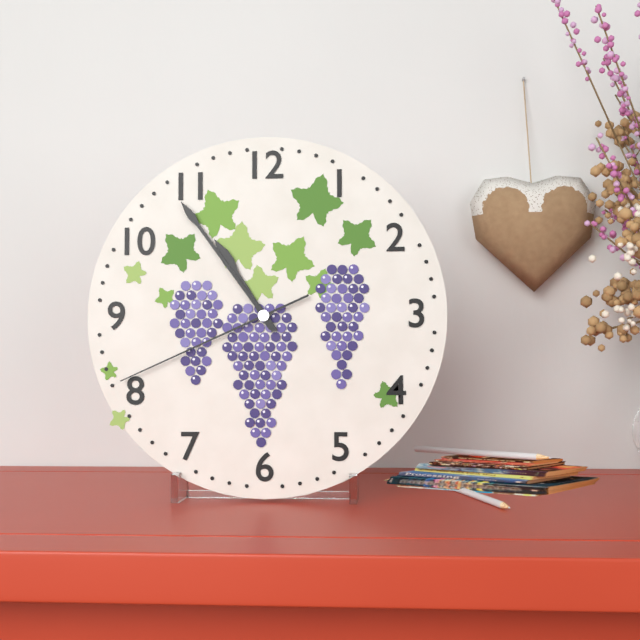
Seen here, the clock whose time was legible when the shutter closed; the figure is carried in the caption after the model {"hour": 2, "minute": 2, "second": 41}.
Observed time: {"hour": 10, "minute": 54, "second": 41}
